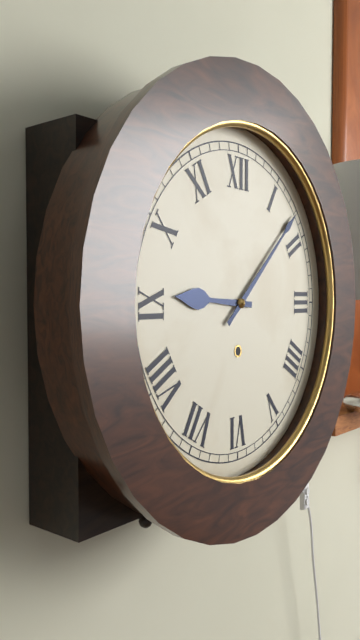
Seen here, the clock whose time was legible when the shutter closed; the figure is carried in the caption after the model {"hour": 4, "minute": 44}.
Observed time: {"hour": 9, "minute": 8}
